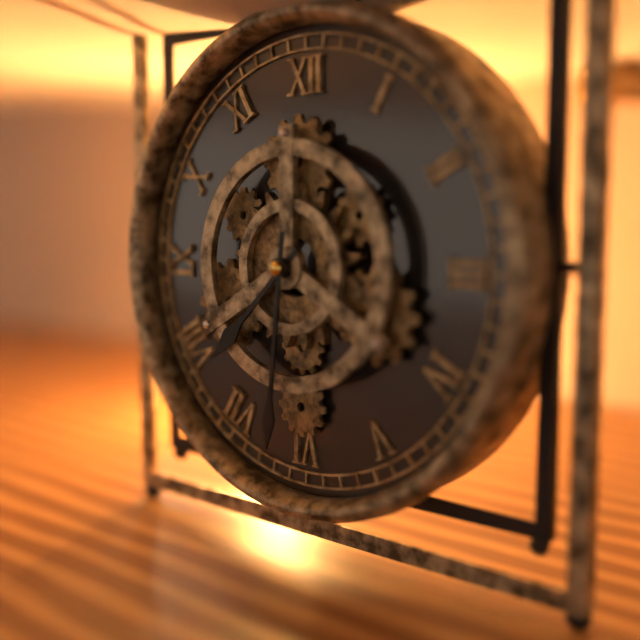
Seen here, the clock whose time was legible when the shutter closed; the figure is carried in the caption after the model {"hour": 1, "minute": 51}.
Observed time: {"hour": 7, "minute": 31}
